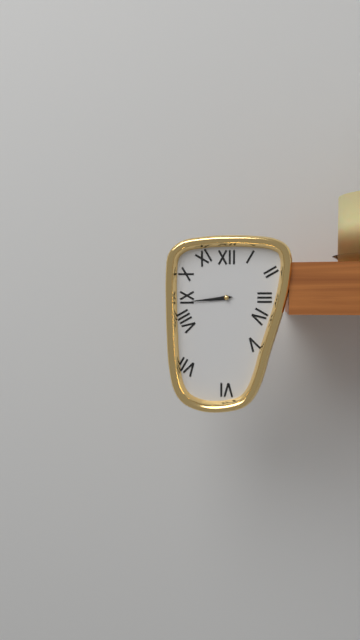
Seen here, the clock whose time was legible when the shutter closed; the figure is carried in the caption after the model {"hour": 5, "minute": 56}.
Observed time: {"hour": 8, "minute": 44}
